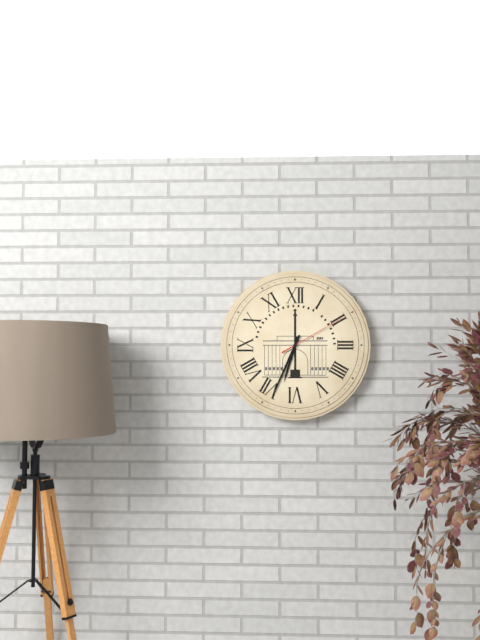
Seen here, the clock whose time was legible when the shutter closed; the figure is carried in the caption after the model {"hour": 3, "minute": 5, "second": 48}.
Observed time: {"hour": 6, "minute": 34, "second": 10}
